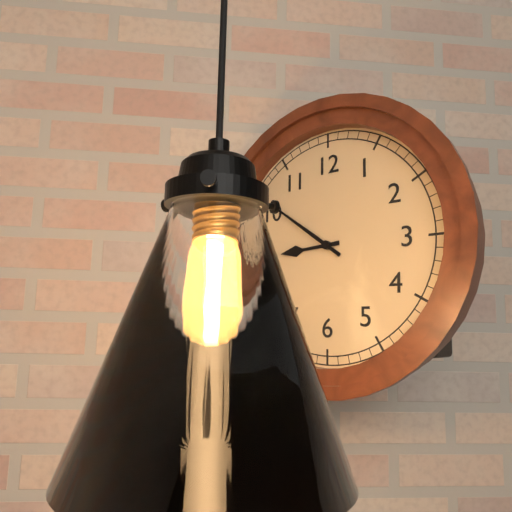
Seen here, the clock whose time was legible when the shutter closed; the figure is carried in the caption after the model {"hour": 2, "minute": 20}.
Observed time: {"hour": 8, "minute": 51}
